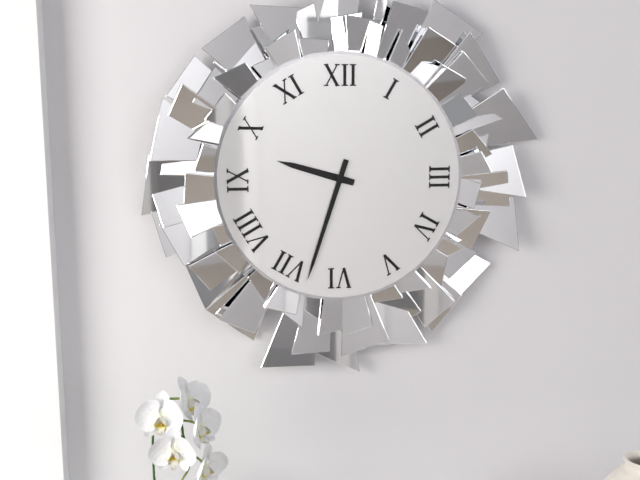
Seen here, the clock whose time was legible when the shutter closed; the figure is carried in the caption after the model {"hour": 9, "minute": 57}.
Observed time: {"hour": 9, "minute": 33}
